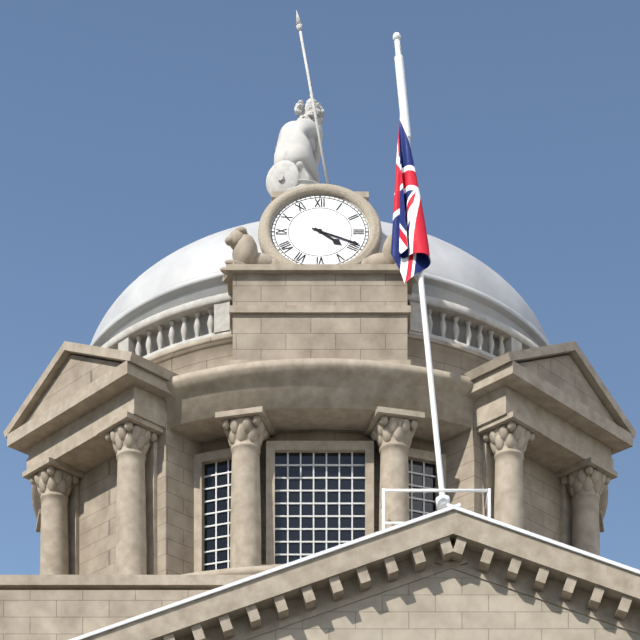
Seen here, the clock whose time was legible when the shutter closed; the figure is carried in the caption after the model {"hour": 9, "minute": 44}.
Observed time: {"hour": 4, "minute": 19}
